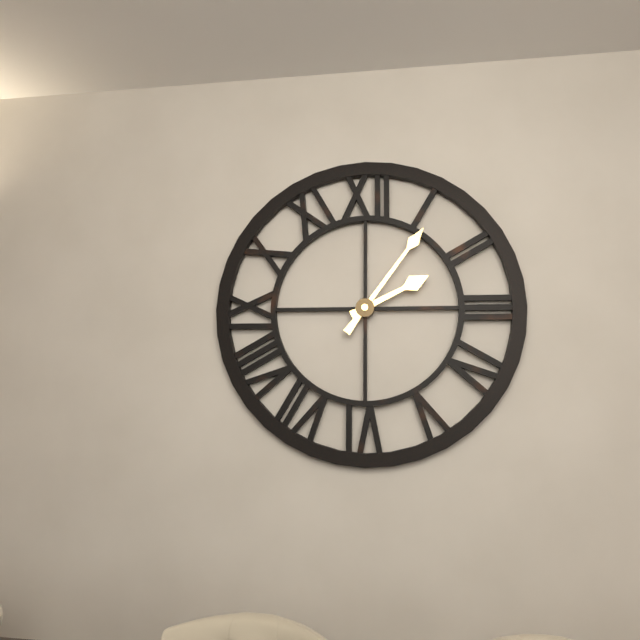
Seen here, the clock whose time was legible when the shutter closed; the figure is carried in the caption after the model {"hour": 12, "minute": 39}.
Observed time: {"hour": 2, "minute": 6}
